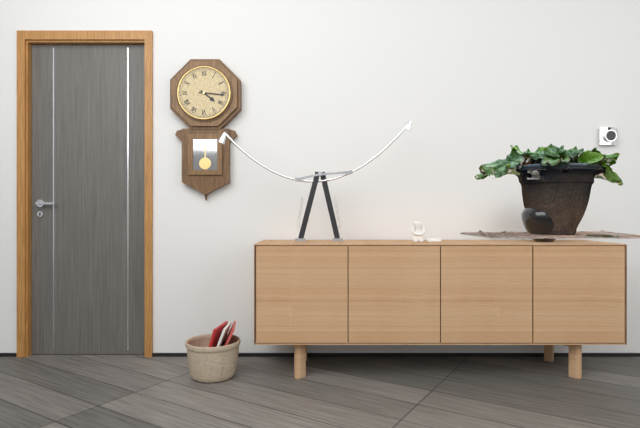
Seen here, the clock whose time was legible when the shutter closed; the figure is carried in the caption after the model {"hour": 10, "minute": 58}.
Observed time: {"hour": 4, "minute": 16}
